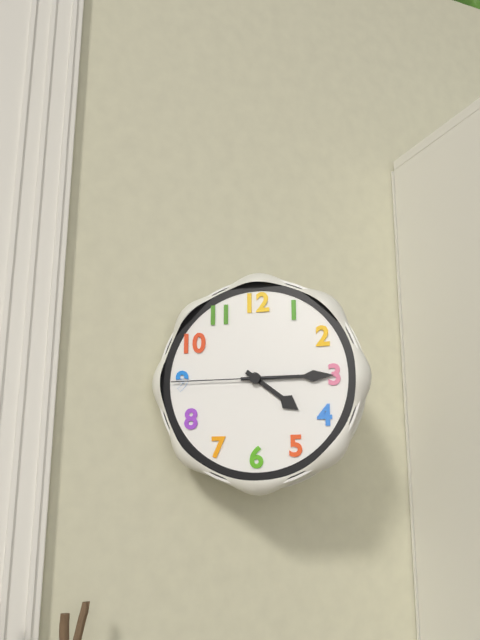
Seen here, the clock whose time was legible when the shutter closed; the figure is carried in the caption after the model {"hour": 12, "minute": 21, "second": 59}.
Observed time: {"hour": 4, "minute": 15, "second": 45}
